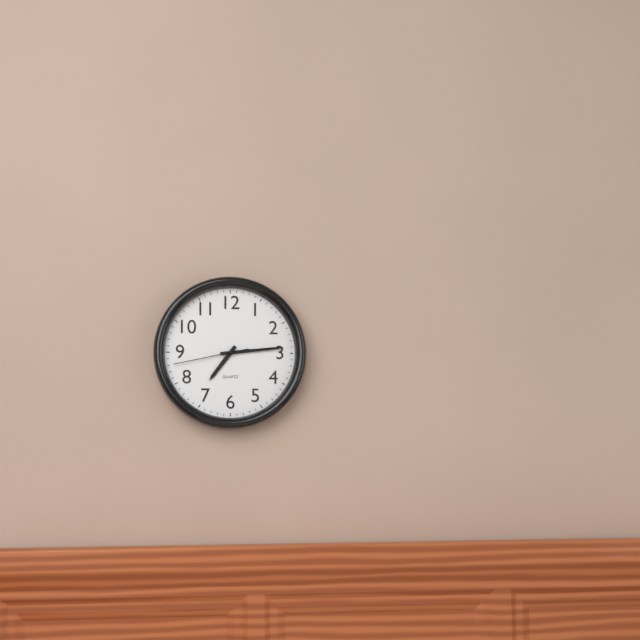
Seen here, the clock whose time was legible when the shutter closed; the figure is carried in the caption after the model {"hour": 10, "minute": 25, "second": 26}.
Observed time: {"hour": 7, "minute": 14, "second": 43}
